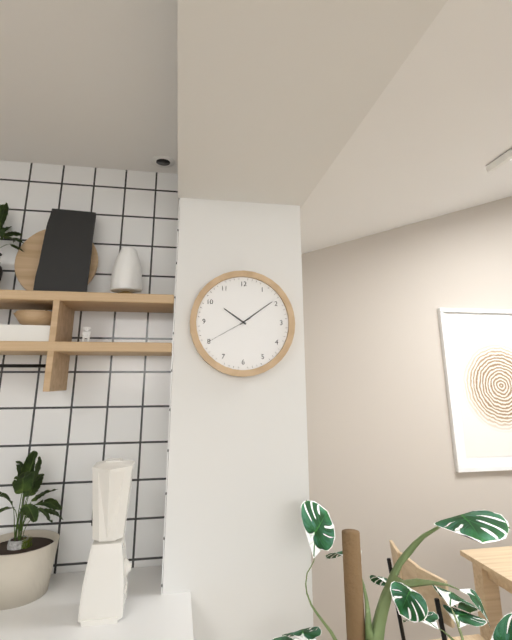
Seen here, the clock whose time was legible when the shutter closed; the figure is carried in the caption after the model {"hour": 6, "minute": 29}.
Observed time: {"hour": 10, "minute": 9}
